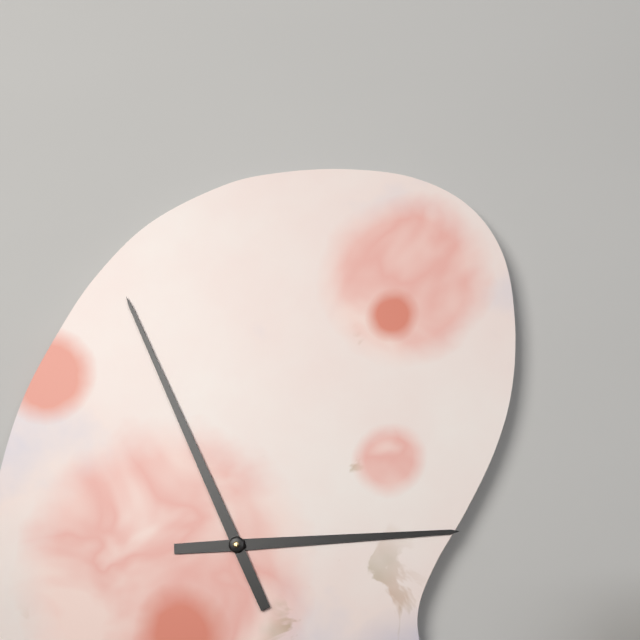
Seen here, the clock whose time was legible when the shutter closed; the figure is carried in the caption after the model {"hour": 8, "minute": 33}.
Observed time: {"hour": 2, "minute": 56}
